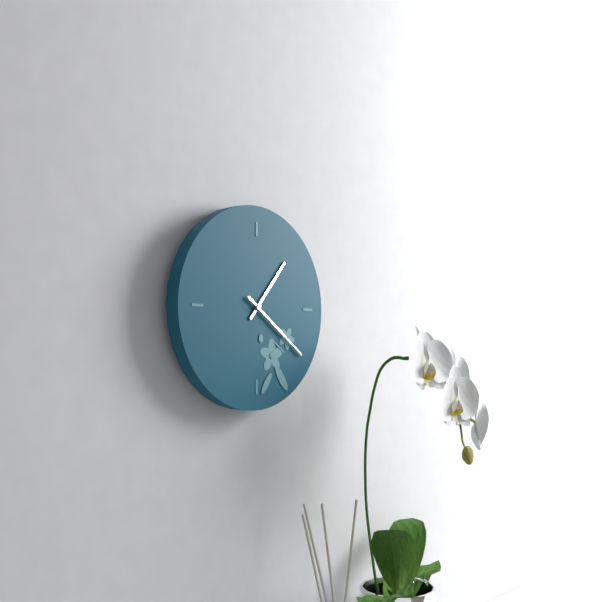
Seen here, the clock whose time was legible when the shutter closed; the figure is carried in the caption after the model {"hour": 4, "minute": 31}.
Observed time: {"hour": 1, "minute": 21}
